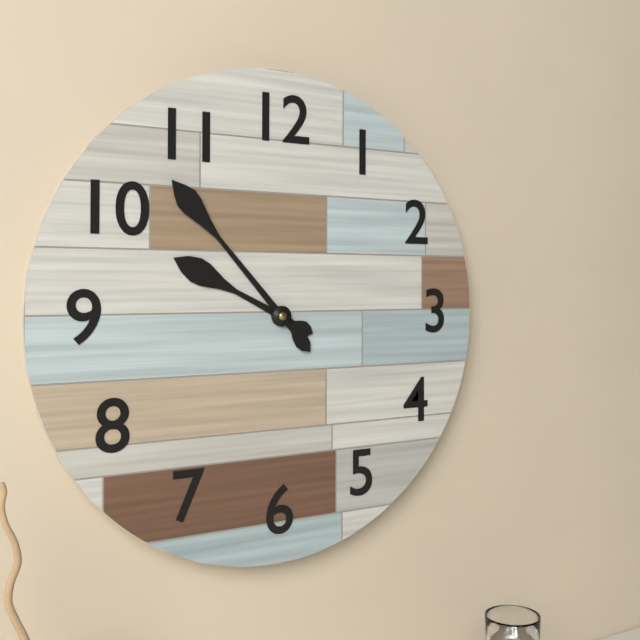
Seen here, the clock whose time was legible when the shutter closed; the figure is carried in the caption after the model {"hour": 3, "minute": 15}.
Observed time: {"hour": 9, "minute": 53}
